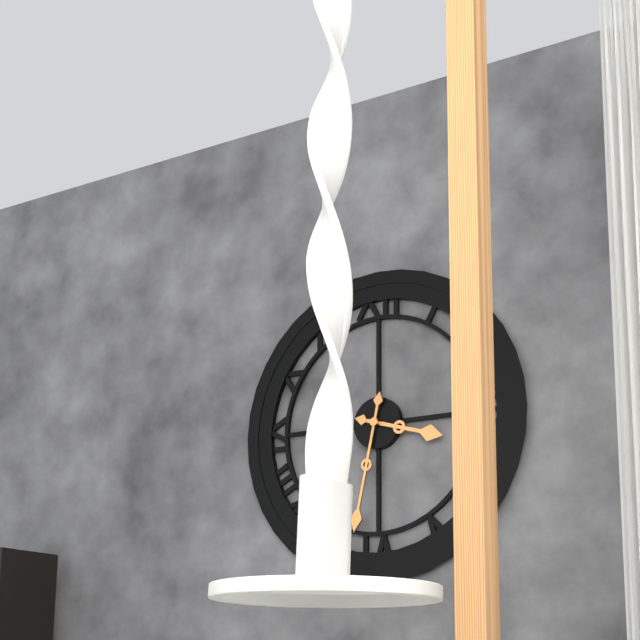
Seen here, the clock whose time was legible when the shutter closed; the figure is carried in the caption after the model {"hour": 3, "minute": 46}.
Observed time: {"hour": 3, "minute": 32}
